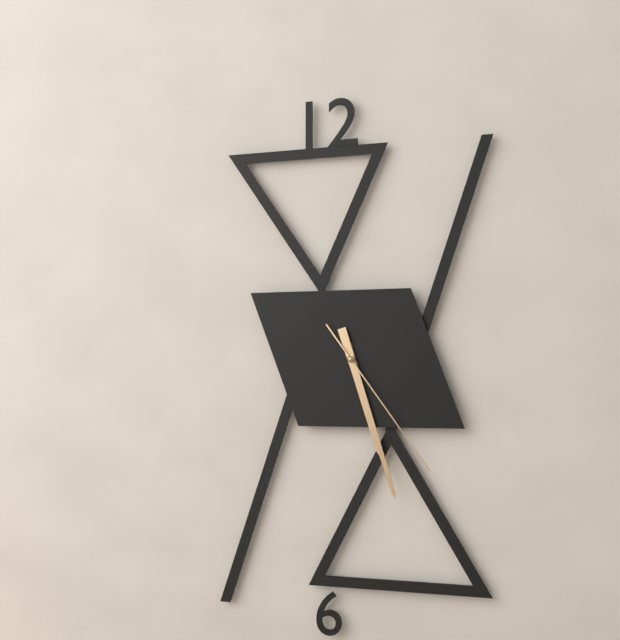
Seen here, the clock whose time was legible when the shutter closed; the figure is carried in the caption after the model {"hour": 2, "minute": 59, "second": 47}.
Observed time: {"hour": 5, "minute": 27, "second": 24}
